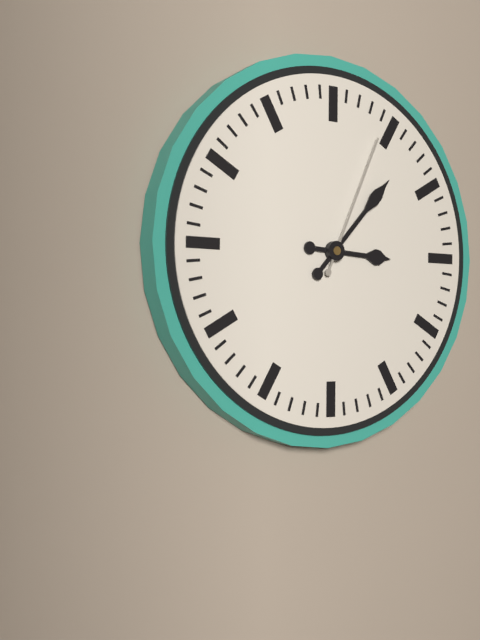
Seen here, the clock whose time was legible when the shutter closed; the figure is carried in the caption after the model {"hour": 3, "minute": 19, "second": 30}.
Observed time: {"hour": 3, "minute": 7, "second": 4}
